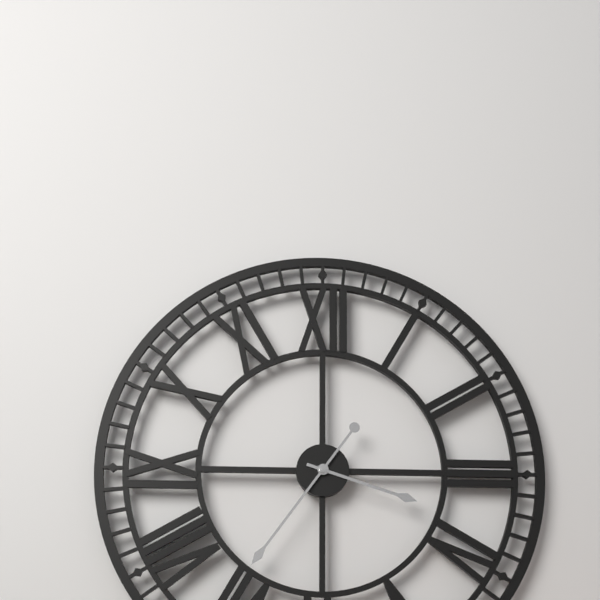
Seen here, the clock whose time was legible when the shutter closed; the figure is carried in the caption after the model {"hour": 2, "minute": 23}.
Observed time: {"hour": 3, "minute": 36}
